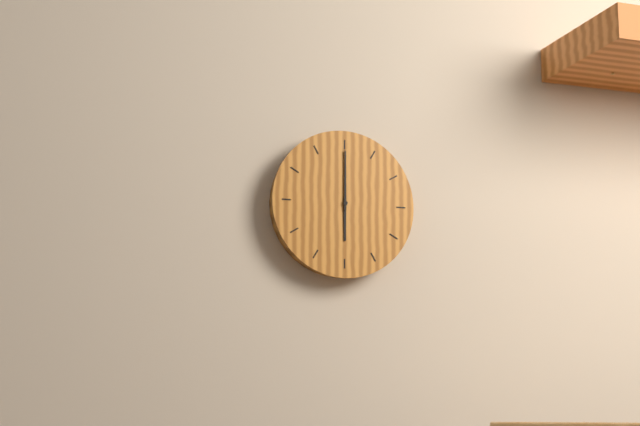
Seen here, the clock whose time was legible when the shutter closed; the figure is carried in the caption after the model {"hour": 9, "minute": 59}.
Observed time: {"hour": 6, "minute": 0}
